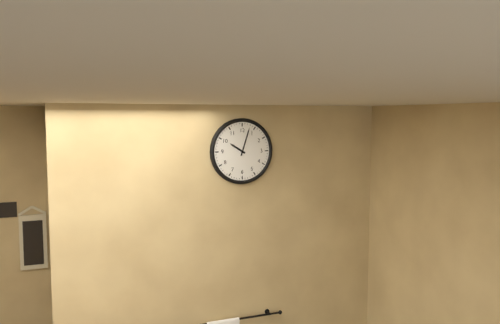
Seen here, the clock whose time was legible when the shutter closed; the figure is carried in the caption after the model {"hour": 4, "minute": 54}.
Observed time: {"hour": 10, "minute": 3}
